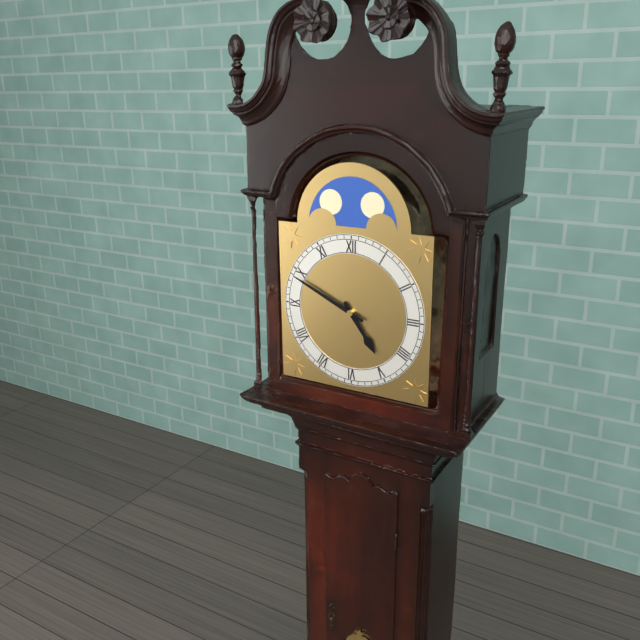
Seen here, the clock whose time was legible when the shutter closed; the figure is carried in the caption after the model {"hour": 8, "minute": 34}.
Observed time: {"hour": 4, "minute": 49}
